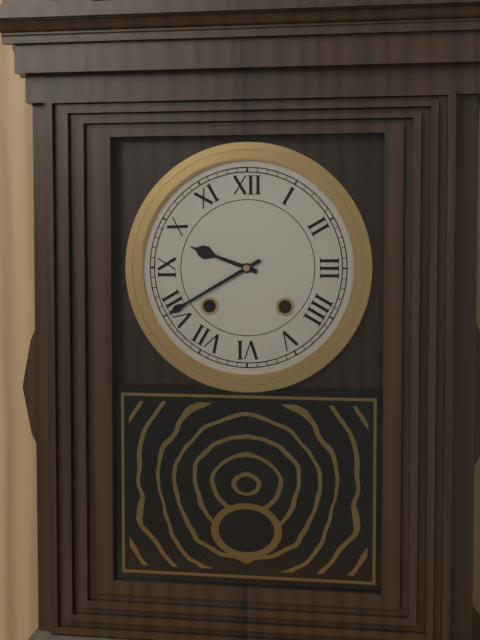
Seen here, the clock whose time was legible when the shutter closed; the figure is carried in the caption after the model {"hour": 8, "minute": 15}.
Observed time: {"hour": 9, "minute": 40}
